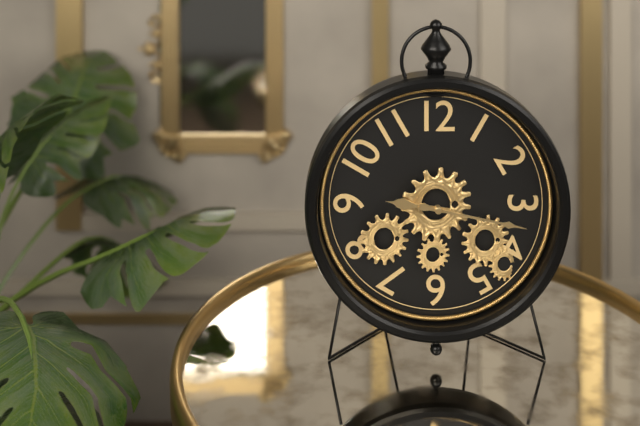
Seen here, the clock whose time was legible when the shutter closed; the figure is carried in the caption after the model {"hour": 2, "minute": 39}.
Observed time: {"hour": 9, "minute": 17}
